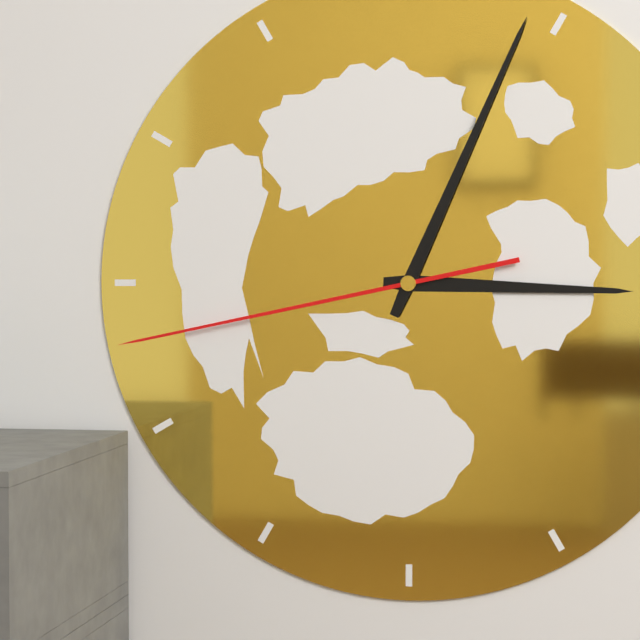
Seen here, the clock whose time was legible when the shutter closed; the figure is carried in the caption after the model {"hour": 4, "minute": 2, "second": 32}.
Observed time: {"hour": 3, "minute": 4, "second": 43}
